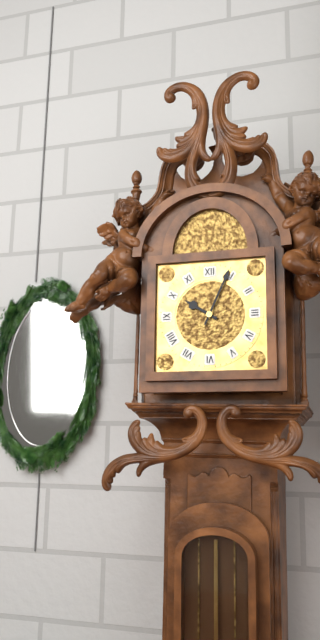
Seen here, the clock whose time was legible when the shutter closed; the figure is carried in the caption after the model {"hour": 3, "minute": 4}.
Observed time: {"hour": 10, "minute": 4}
